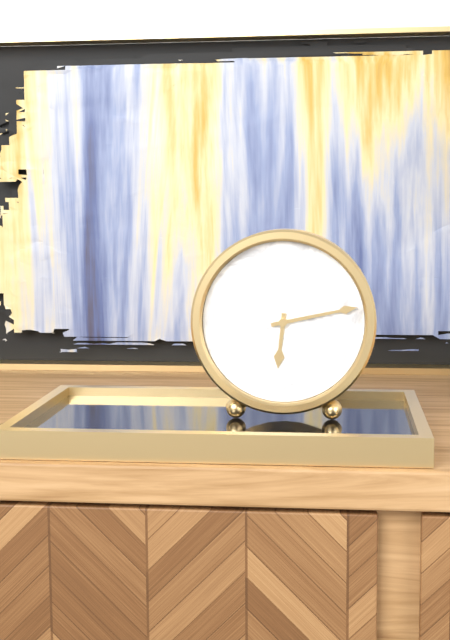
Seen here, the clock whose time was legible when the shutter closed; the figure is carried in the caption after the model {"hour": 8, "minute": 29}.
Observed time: {"hour": 6, "minute": 13}
